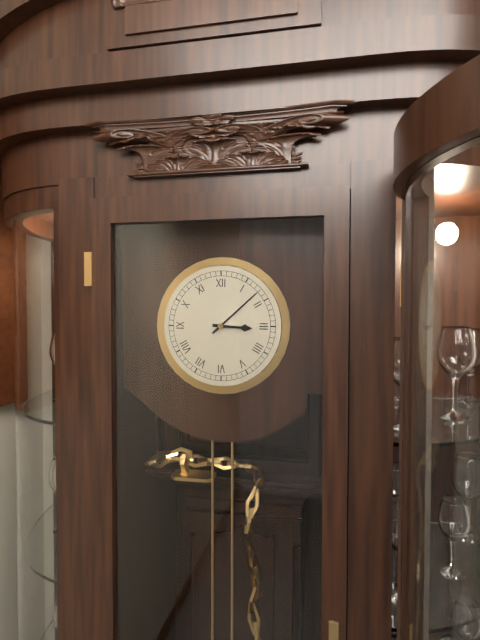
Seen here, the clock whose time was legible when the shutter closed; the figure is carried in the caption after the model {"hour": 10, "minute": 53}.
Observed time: {"hour": 3, "minute": 8}
